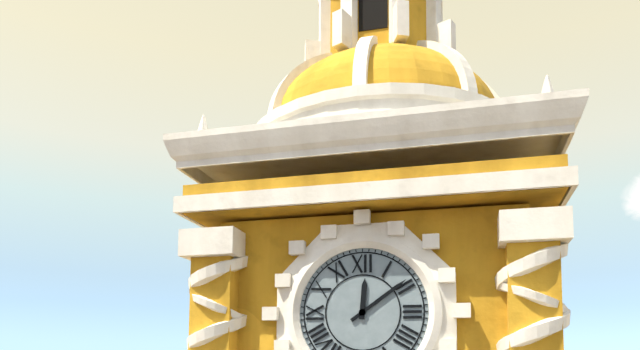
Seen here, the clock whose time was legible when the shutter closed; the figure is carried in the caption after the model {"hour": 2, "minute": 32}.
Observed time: {"hour": 12, "minute": 9}
